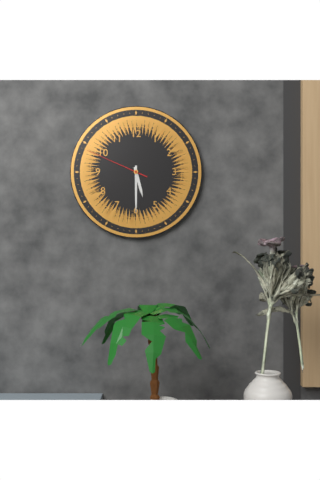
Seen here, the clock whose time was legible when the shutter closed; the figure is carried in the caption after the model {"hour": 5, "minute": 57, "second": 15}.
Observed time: {"hour": 5, "minute": 30, "second": 49}
